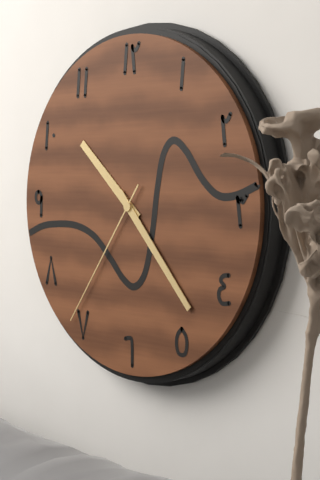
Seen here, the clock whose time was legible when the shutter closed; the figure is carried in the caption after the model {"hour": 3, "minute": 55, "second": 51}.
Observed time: {"hour": 10, "minute": 23, "second": 36}
